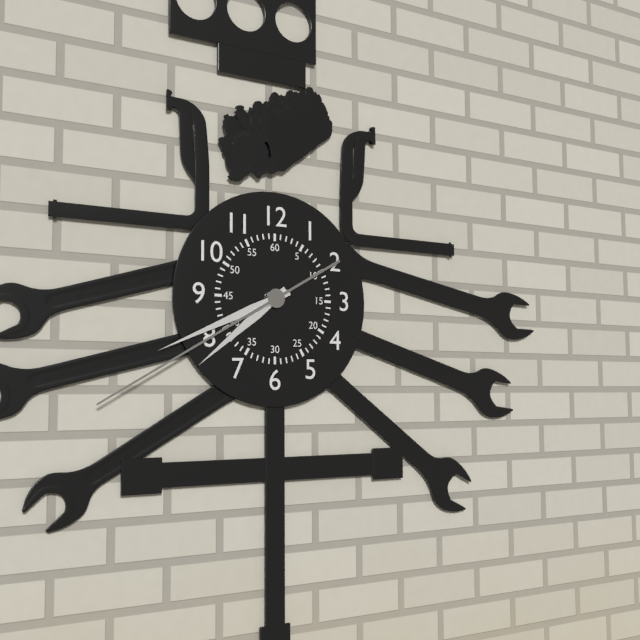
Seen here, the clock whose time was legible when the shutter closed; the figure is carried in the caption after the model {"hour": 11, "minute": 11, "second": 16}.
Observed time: {"hour": 7, "minute": 41, "second": 40}
